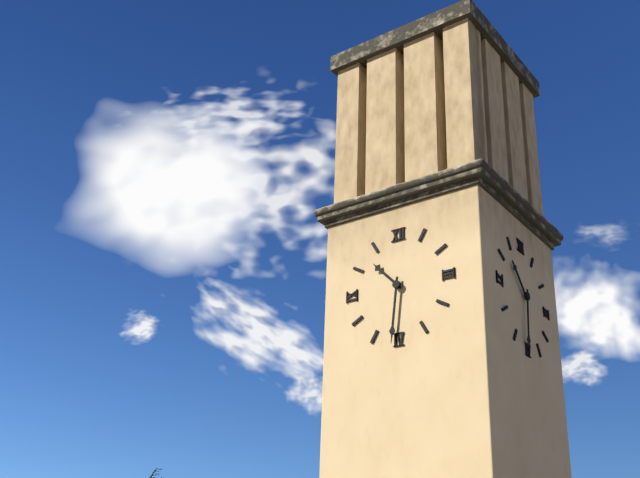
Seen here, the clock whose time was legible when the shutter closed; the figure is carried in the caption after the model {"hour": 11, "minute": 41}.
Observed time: {"hour": 10, "minute": 31}
